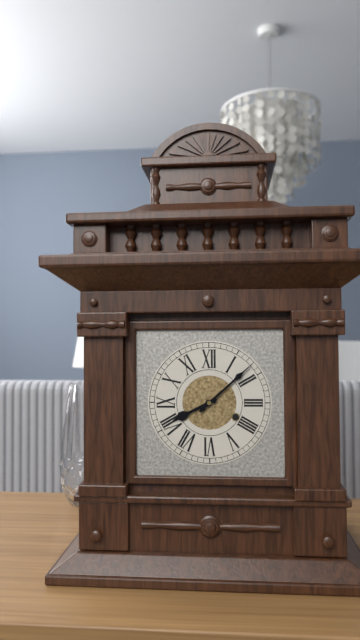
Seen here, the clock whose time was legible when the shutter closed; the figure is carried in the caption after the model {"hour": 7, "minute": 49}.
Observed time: {"hour": 8, "minute": 8}
